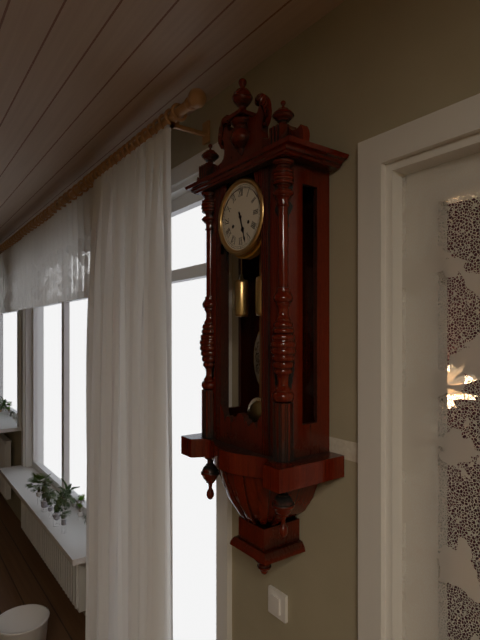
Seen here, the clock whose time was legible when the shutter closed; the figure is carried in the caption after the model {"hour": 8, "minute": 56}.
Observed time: {"hour": 5, "minute": 27}
